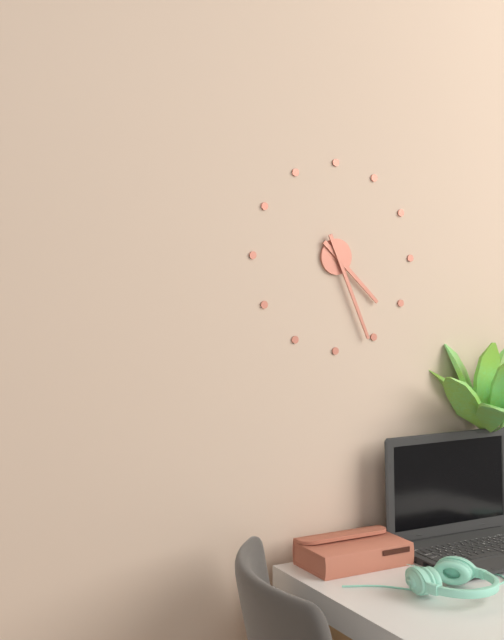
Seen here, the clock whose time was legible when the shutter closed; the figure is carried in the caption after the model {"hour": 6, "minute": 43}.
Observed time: {"hour": 4, "minute": 26}
